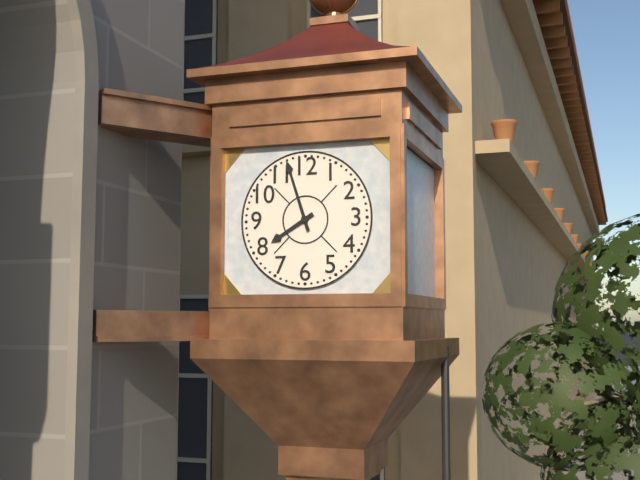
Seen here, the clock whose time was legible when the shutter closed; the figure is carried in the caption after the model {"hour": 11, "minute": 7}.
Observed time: {"hour": 7, "minute": 57}
